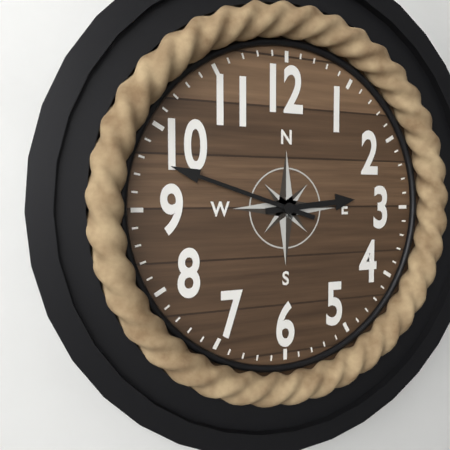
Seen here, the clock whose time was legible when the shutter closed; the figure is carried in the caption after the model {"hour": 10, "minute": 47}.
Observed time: {"hour": 2, "minute": 48}
